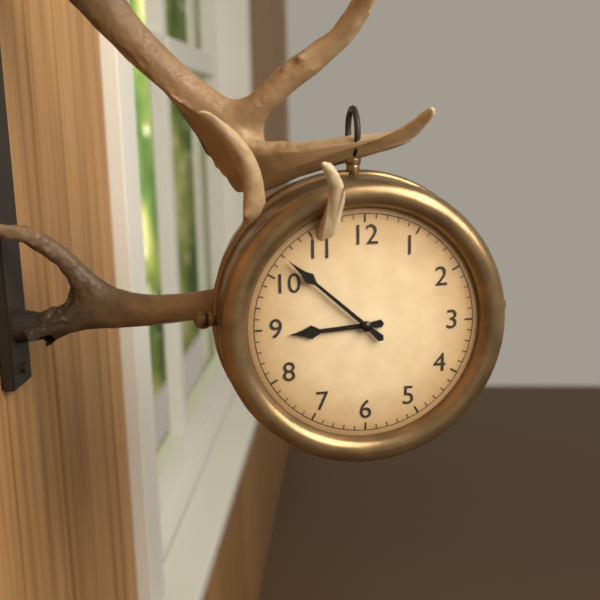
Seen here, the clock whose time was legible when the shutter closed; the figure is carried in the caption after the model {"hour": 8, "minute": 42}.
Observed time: {"hour": 8, "minute": 52}
